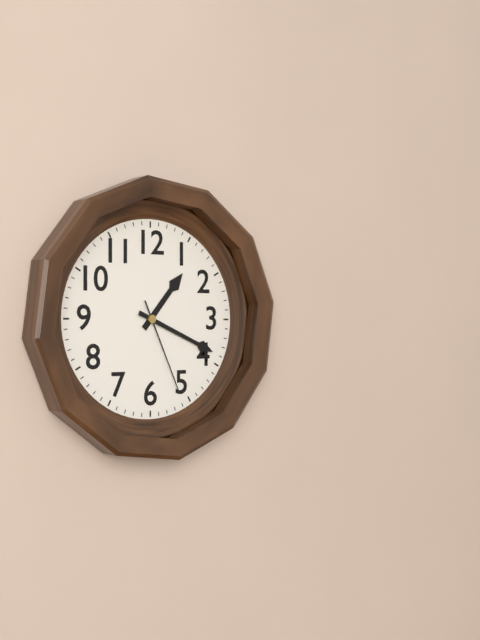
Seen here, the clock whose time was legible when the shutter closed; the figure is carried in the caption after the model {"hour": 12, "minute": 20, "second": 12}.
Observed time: {"hour": 1, "minute": 19, "second": 26}
